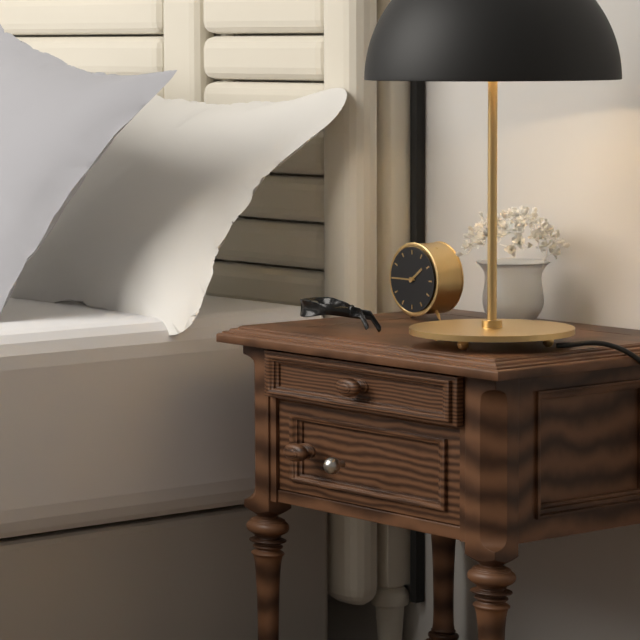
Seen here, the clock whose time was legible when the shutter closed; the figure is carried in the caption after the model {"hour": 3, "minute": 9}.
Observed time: {"hour": 1, "minute": 45}
